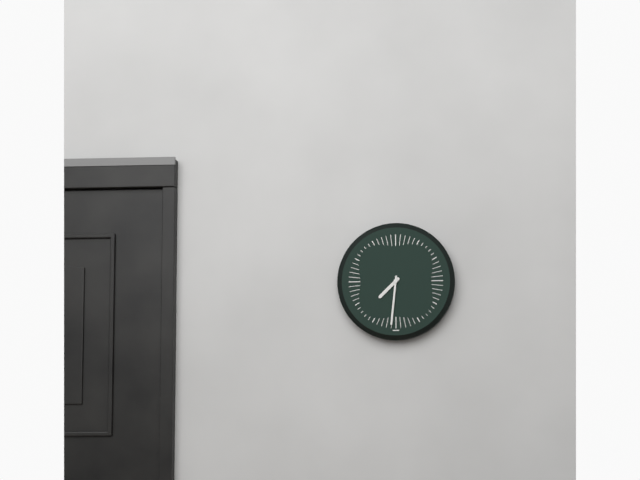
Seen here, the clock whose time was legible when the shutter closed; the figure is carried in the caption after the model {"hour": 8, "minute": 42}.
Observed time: {"hour": 7, "minute": 31}
